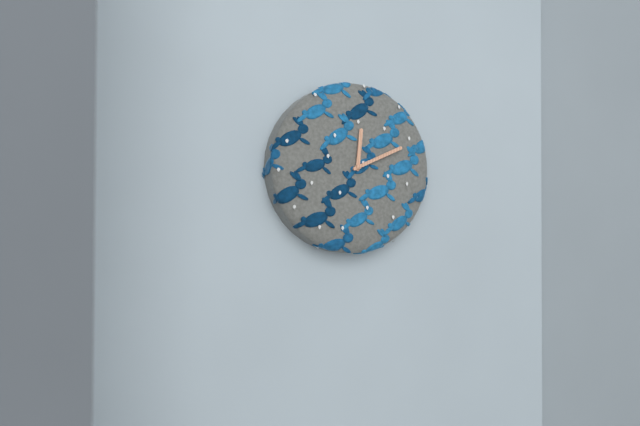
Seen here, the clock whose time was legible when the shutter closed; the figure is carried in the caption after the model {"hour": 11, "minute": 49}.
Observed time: {"hour": 12, "minute": 11}
